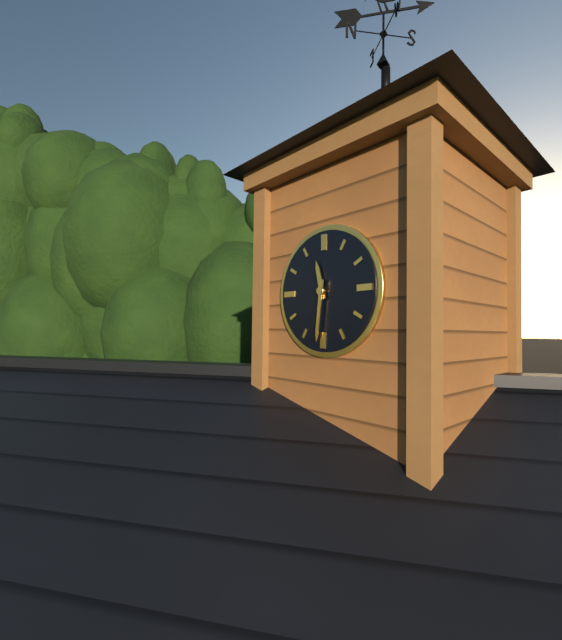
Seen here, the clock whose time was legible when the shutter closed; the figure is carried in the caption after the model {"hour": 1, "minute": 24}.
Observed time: {"hour": 11, "minute": 31}
